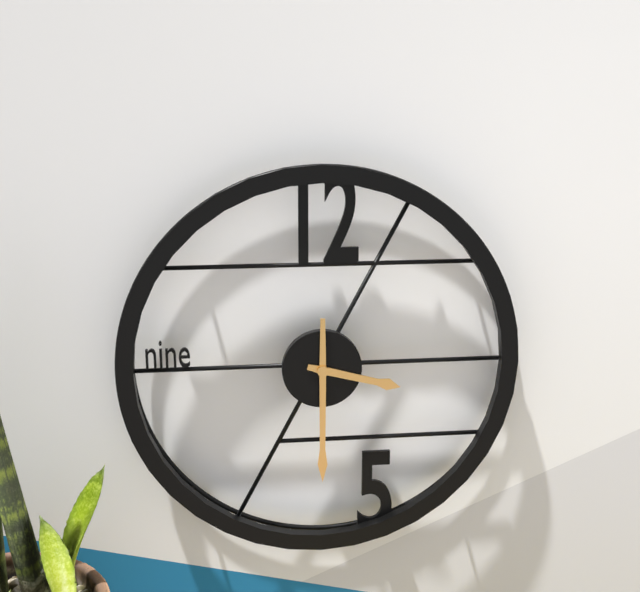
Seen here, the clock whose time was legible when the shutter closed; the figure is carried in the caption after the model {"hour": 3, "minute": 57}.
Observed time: {"hour": 3, "minute": 30}
